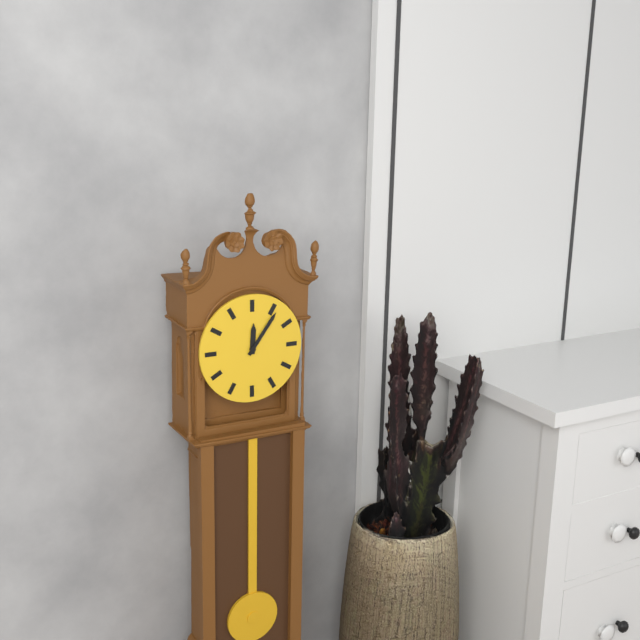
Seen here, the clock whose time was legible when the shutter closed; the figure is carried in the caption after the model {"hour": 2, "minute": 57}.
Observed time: {"hour": 12, "minute": 6}
